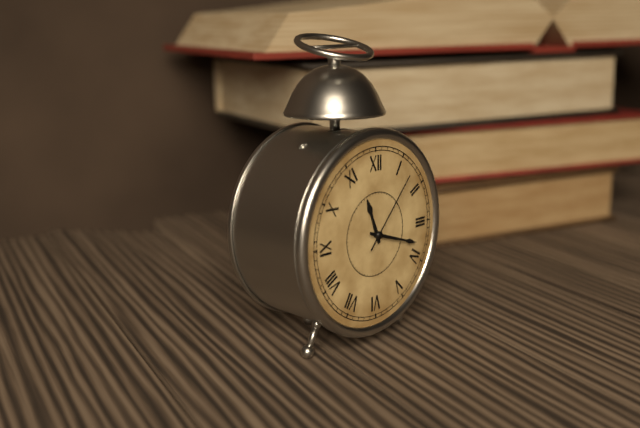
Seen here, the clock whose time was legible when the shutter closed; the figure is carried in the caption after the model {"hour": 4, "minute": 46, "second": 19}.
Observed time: {"hour": 11, "minute": 18, "second": 7}
